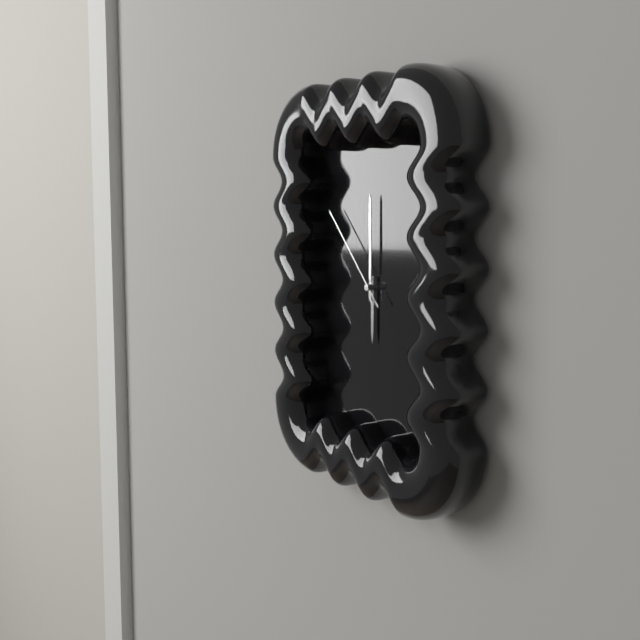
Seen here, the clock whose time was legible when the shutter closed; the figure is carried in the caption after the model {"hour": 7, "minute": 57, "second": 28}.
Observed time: {"hour": 6, "minute": 0, "second": 53}
